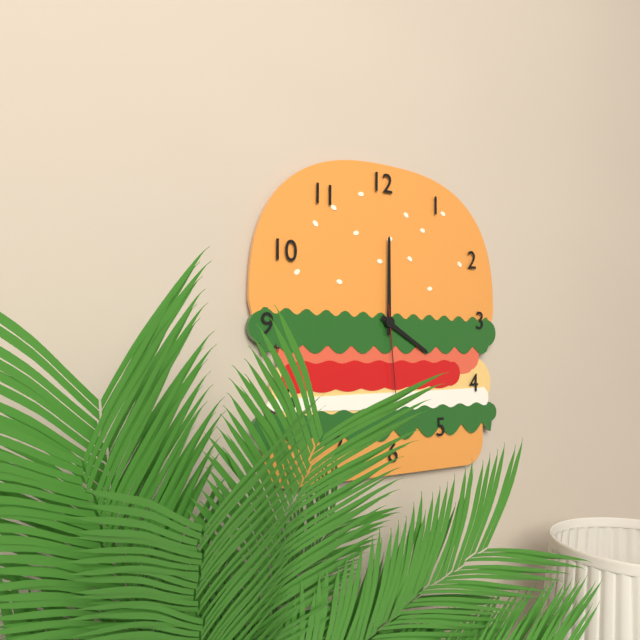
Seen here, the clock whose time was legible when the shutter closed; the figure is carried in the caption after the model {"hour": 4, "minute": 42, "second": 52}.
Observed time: {"hour": 4, "minute": 0, "second": 29}
